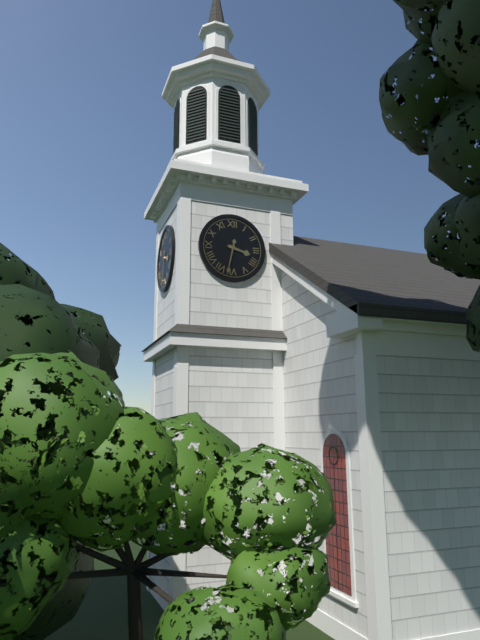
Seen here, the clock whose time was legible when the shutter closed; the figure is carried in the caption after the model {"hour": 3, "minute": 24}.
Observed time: {"hour": 3, "minute": 32}
